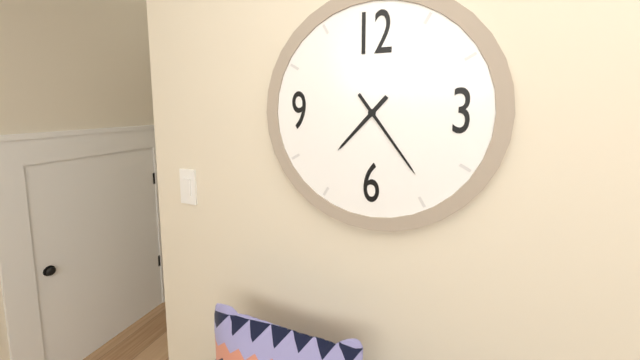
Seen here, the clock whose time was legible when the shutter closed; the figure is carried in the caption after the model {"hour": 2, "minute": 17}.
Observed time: {"hour": 7, "minute": 24}
